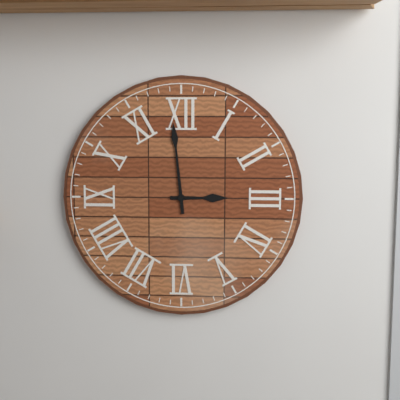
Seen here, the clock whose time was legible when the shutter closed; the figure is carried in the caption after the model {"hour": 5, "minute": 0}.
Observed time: {"hour": 2, "minute": 59}
